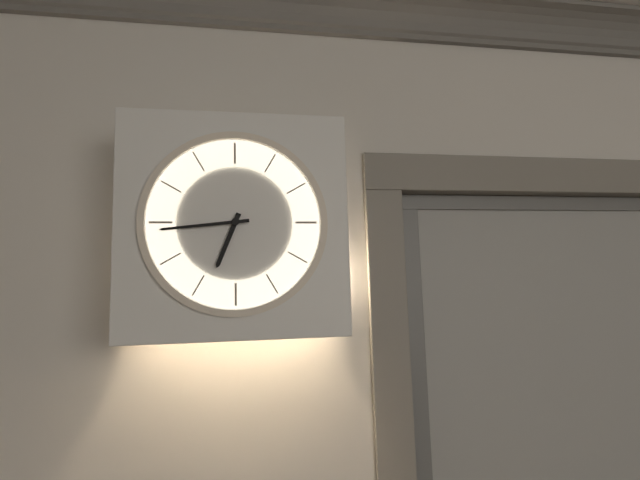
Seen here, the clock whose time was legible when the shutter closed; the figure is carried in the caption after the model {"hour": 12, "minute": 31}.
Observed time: {"hour": 6, "minute": 44}
